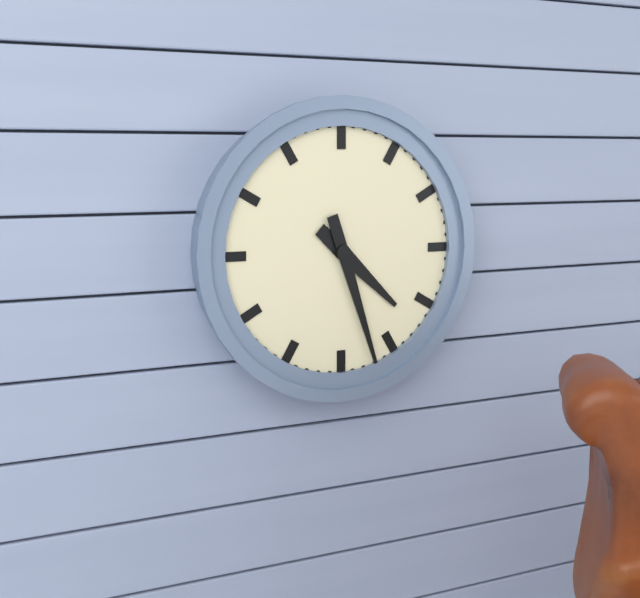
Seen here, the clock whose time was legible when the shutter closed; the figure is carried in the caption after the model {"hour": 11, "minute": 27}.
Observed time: {"hour": 4, "minute": 27}
